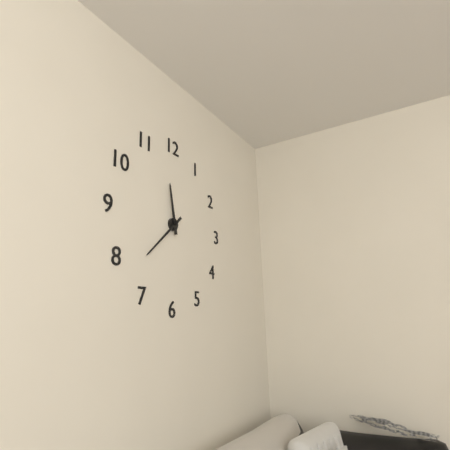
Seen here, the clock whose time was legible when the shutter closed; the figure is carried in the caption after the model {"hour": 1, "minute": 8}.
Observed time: {"hour": 11, "minute": 38}
